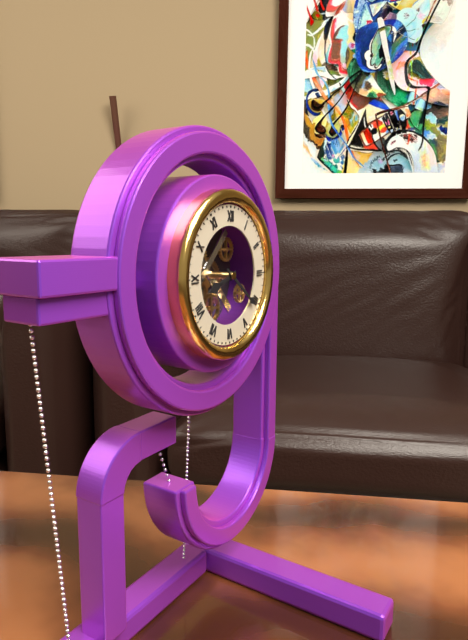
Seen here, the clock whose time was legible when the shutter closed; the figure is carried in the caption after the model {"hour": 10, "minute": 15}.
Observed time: {"hour": 8, "minute": 21}
